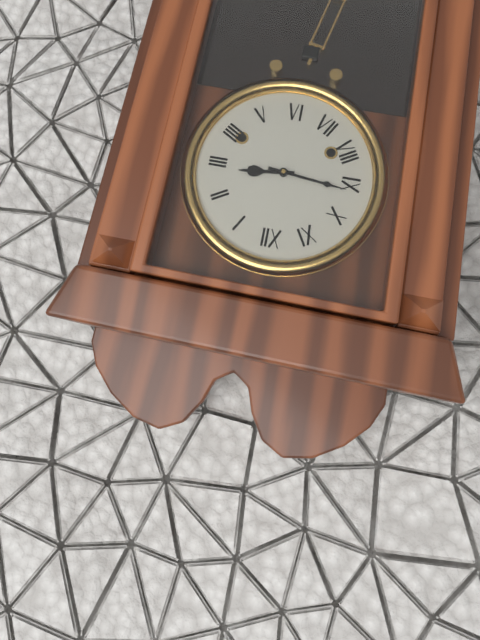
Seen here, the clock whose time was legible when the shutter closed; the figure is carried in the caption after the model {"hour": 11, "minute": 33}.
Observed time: {"hour": 2, "minute": 46}
